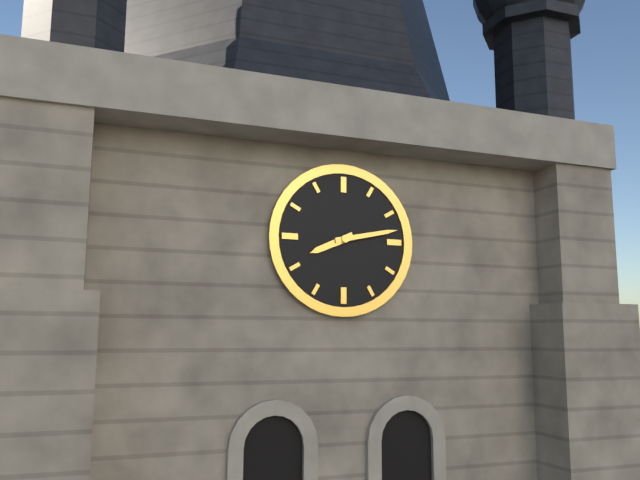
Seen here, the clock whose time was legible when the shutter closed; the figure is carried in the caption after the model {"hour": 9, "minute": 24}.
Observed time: {"hour": 8, "minute": 13}
